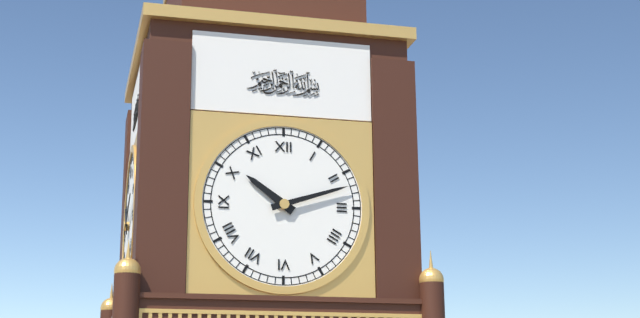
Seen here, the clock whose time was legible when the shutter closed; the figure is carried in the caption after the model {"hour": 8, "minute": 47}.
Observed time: {"hour": 10, "minute": 12}
